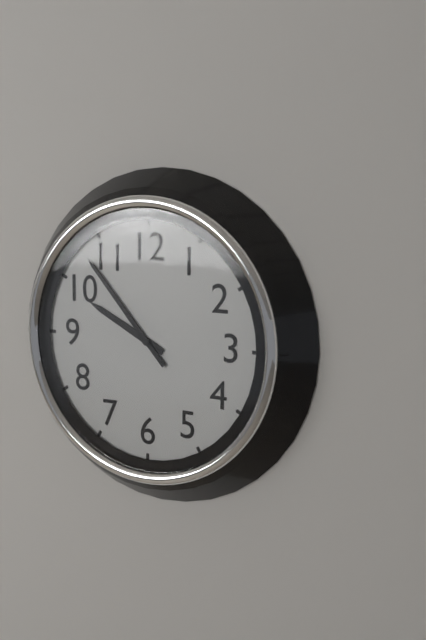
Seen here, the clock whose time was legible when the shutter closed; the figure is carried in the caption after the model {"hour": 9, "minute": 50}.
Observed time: {"hour": 9, "minute": 53}
